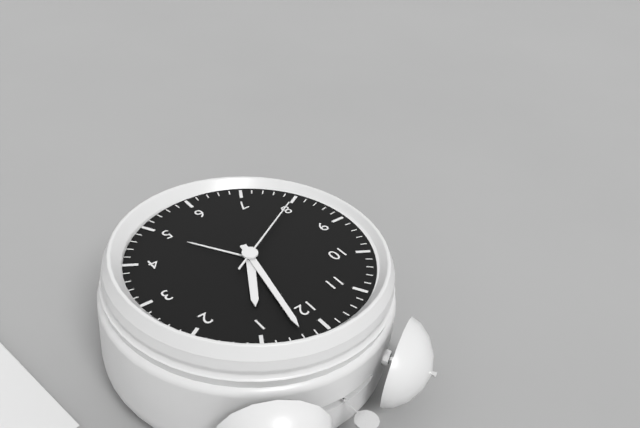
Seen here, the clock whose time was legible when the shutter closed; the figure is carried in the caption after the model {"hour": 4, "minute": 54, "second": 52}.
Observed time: {"hour": 1, "minute": 2, "second": 40}
